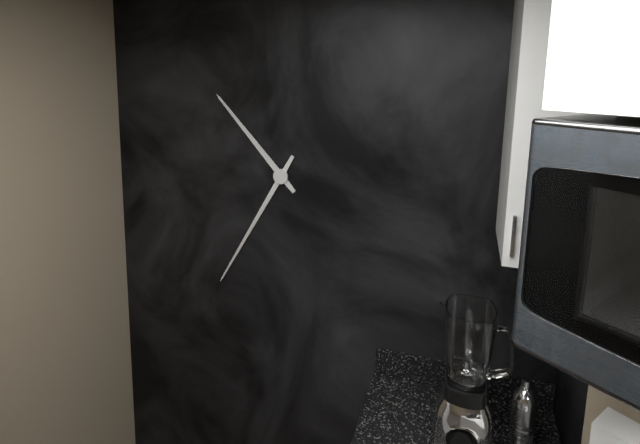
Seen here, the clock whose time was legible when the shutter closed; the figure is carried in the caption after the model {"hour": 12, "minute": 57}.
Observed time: {"hour": 10, "minute": 35}
